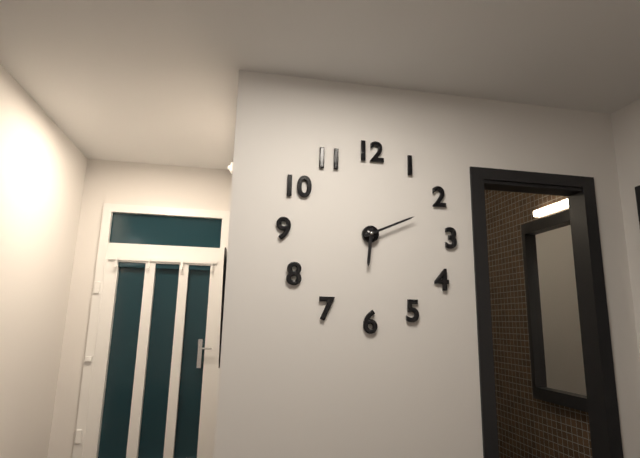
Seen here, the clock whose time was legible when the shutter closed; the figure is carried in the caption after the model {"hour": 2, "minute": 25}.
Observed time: {"hour": 6, "minute": 11}
